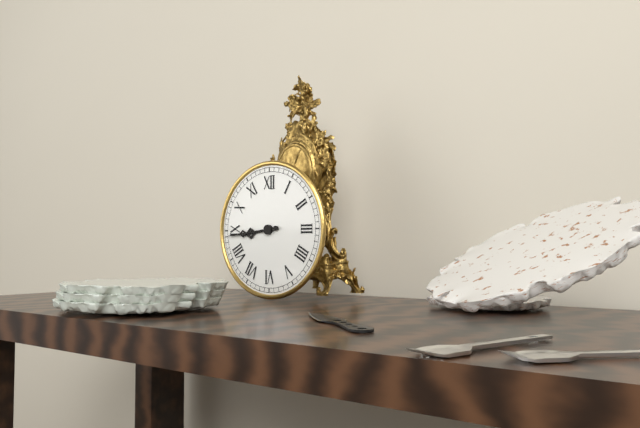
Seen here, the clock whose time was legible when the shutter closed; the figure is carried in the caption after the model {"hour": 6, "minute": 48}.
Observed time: {"hour": 8, "minute": 44}
